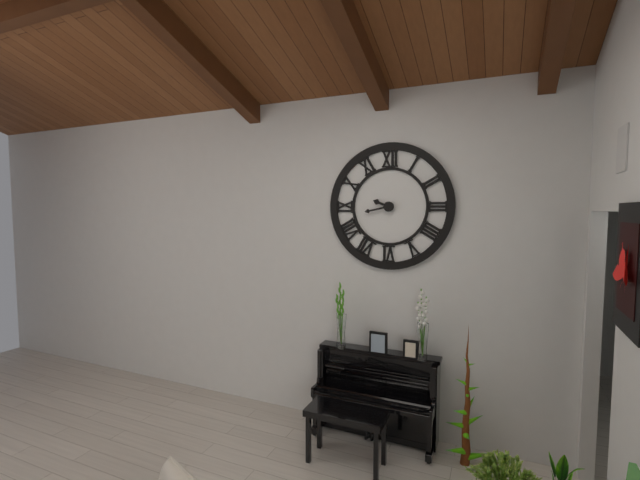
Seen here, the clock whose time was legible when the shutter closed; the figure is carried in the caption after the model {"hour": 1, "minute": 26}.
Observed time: {"hour": 9, "minute": 43}
